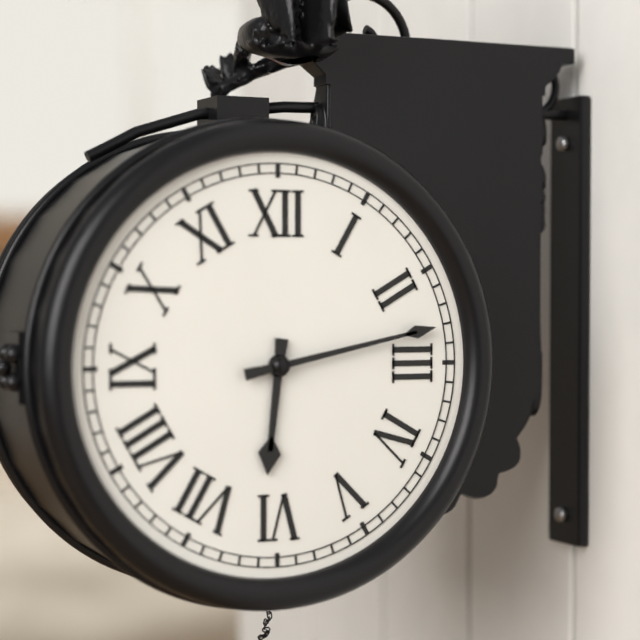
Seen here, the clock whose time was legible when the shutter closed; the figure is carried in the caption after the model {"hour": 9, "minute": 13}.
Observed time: {"hour": 6, "minute": 13}
